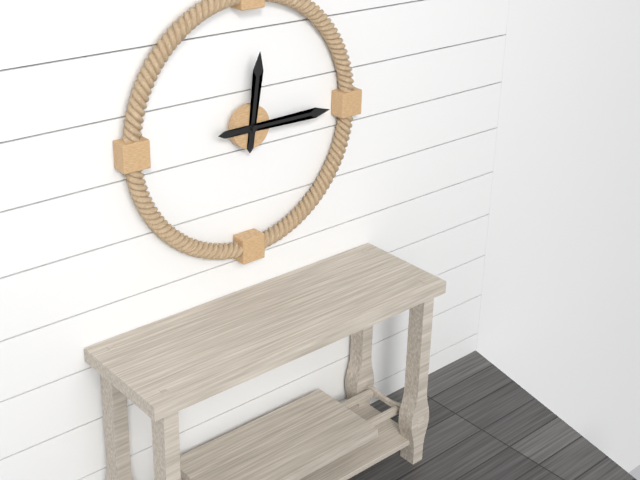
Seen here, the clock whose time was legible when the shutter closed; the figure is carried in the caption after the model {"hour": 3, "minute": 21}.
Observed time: {"hour": 12, "minute": 15}
